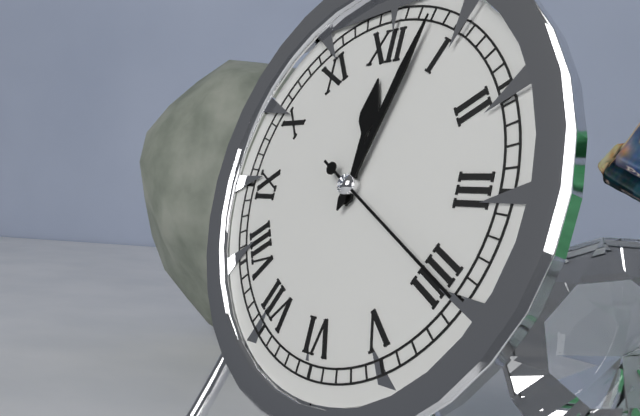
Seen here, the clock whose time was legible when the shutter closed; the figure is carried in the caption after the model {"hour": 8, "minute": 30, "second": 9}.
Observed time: {"hour": 12, "minute": 3, "second": 20}
